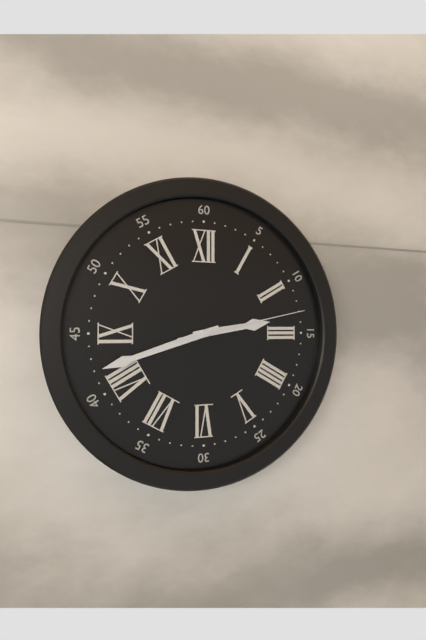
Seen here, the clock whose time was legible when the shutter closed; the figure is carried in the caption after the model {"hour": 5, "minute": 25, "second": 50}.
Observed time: {"hour": 2, "minute": 42, "second": 13}
